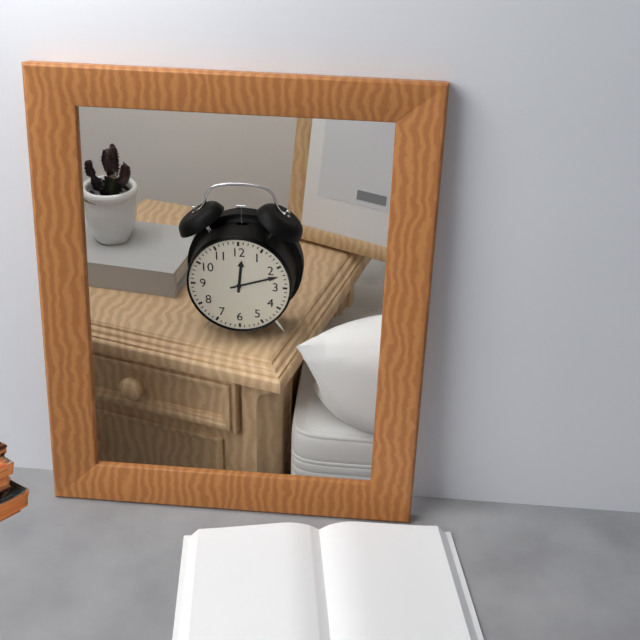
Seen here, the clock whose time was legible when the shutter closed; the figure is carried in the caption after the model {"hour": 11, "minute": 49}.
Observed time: {"hour": 12, "minute": 12}
